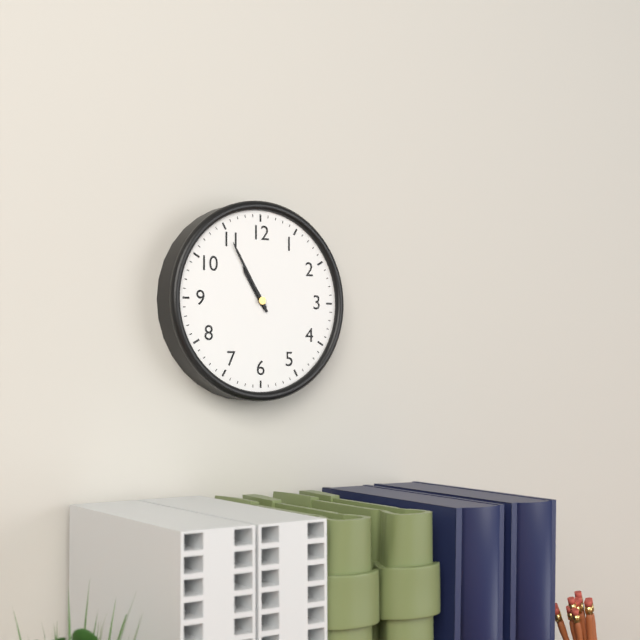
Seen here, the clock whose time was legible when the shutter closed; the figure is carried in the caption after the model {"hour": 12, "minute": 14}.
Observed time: {"hour": 10, "minute": 55}
